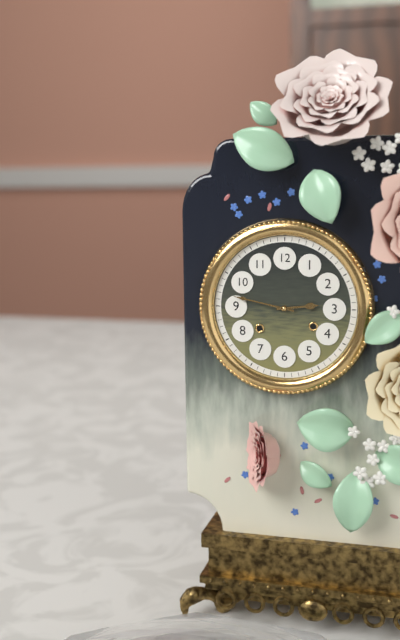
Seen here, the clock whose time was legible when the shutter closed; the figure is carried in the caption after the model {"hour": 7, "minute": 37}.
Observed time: {"hour": 2, "minute": 47}
